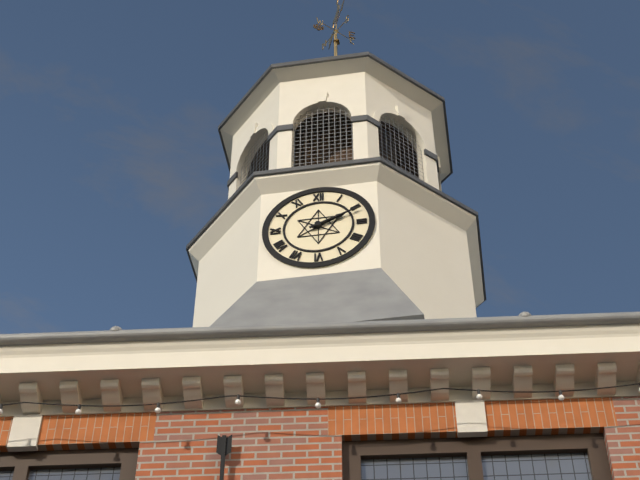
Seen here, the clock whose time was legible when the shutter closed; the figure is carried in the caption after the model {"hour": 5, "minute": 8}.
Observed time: {"hour": 2, "minute": 11}
